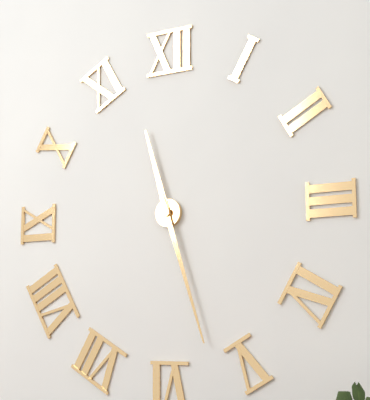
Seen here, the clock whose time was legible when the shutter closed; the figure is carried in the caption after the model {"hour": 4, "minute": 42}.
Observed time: {"hour": 11, "minute": 27}
